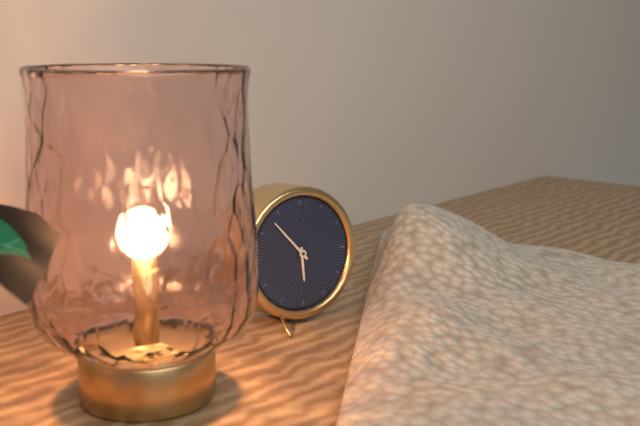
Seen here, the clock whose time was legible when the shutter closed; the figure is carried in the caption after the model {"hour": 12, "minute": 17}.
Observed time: {"hour": 5, "minute": 53}
